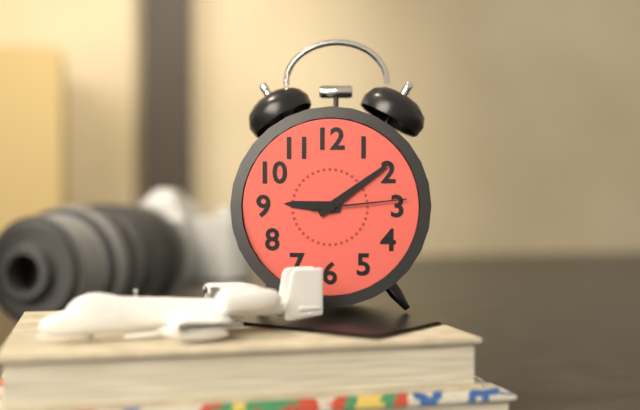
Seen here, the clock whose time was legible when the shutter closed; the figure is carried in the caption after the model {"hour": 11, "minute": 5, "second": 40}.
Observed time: {"hour": 9, "minute": 9, "second": 14}
